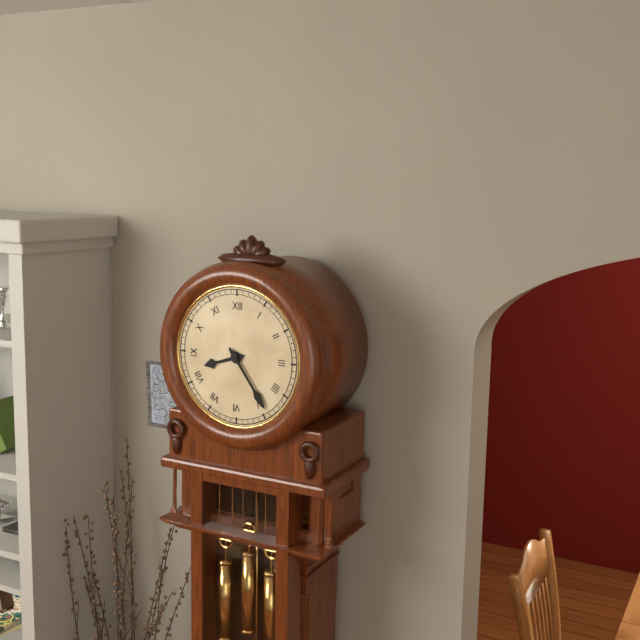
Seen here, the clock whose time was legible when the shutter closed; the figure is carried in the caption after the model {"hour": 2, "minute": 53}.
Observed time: {"hour": 8, "minute": 24}
